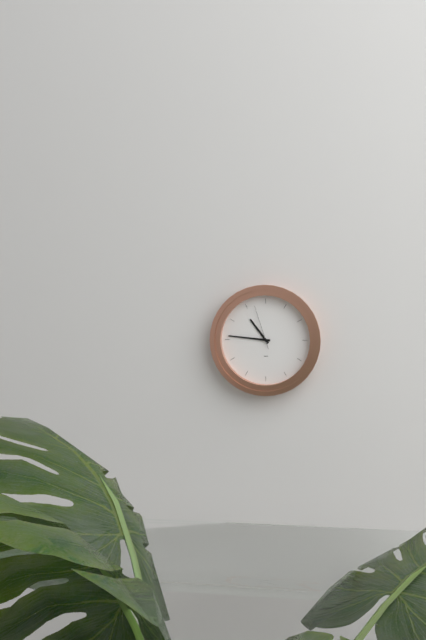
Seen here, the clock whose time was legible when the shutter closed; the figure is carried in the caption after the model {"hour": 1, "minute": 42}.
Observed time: {"hour": 10, "minute": 46}
